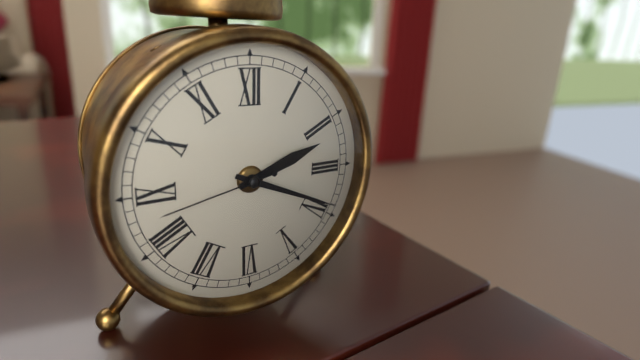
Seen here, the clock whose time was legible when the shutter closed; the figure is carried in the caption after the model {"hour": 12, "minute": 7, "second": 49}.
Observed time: {"hour": 2, "minute": 19, "second": 43}
